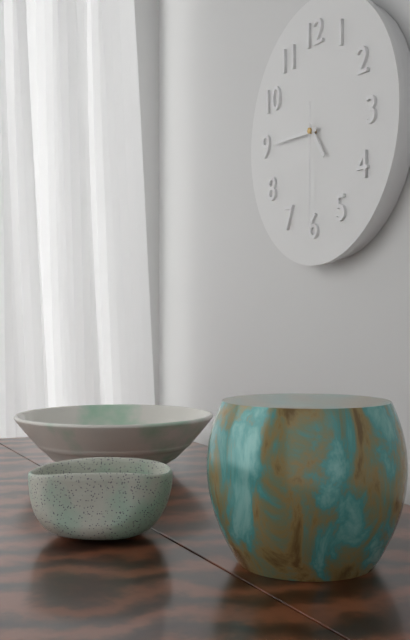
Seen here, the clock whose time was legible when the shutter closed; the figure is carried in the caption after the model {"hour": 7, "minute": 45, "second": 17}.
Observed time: {"hour": 4, "minute": 45, "second": 30}
